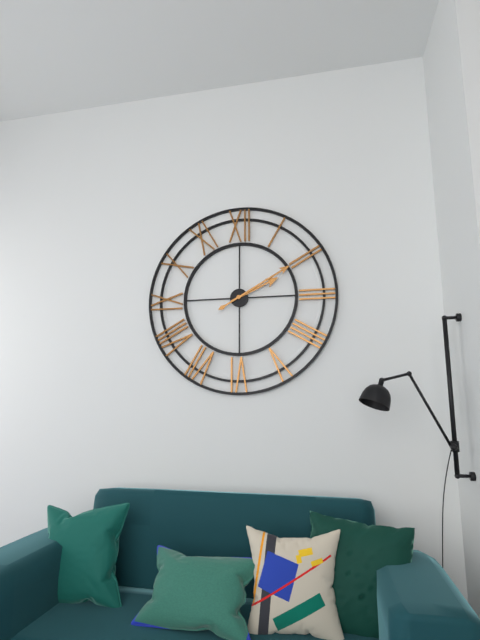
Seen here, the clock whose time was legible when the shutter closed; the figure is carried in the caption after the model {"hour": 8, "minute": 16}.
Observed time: {"hour": 2, "minute": 10}
